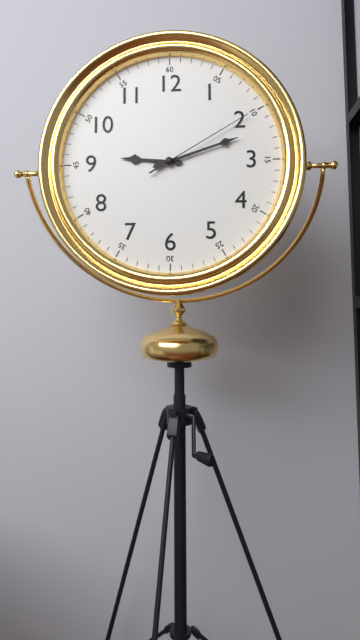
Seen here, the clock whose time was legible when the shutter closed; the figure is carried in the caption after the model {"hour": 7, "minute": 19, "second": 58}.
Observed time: {"hour": 9, "minute": 12, "second": 10}
